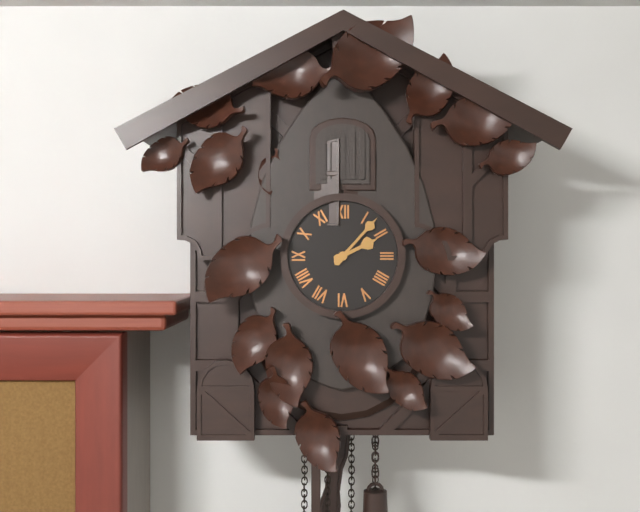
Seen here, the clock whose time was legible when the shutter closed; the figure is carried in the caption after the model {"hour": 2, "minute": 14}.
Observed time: {"hour": 2, "minute": 7}
